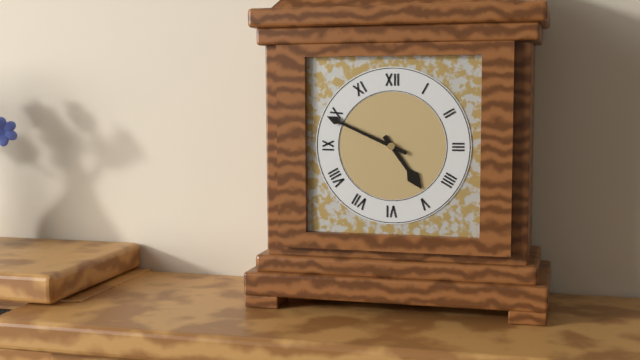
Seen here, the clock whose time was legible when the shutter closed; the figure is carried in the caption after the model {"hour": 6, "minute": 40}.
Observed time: {"hour": 4, "minute": 49}
